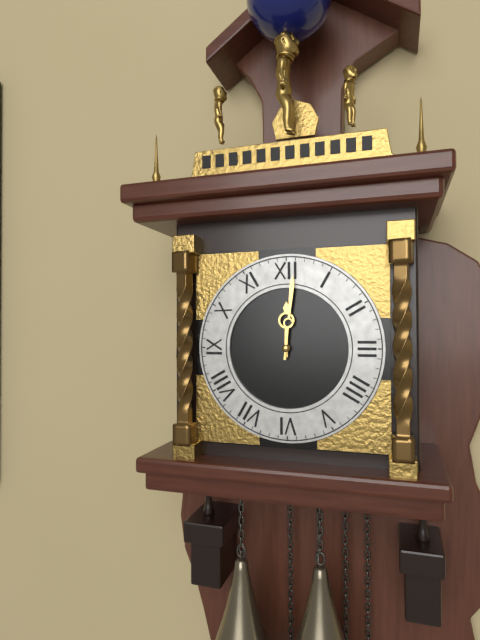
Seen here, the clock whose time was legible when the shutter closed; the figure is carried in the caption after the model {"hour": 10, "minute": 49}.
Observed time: {"hour": 12, "minute": 1}
